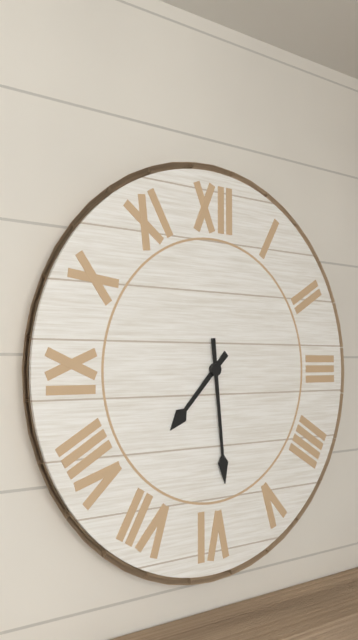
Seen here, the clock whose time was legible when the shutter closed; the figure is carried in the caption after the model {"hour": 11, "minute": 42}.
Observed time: {"hour": 7, "minute": 29}
